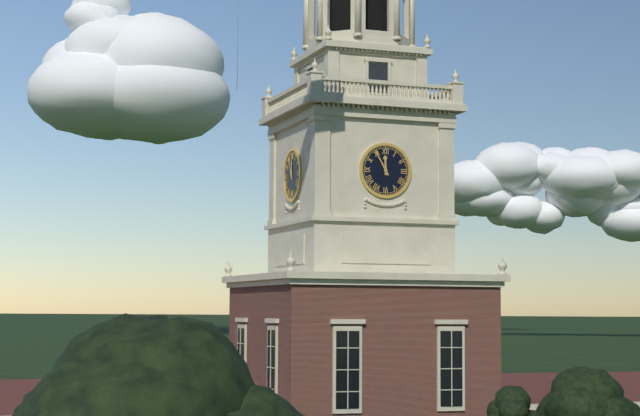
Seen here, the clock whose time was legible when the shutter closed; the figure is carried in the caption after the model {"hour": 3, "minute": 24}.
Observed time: {"hour": 11, "minute": 55}
